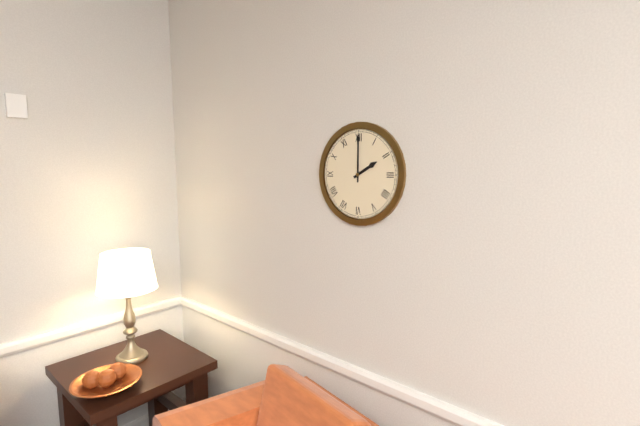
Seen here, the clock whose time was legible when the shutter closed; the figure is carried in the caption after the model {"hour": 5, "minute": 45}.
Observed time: {"hour": 2, "minute": 0}
